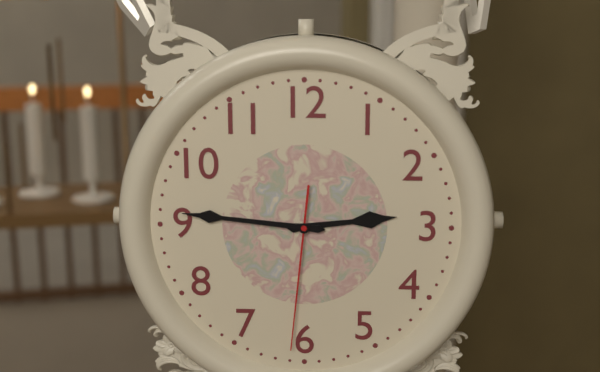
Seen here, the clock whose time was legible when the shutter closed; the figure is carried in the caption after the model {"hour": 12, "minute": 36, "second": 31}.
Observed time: {"hour": 2, "minute": 46, "second": 31}
